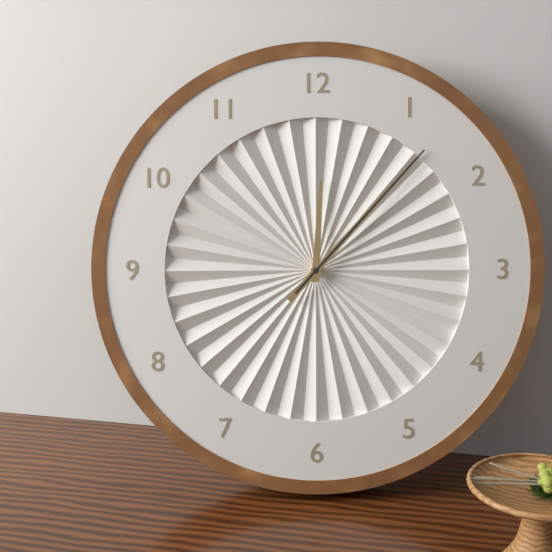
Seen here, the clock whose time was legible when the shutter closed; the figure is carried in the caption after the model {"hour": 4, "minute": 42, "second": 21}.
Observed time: {"hour": 12, "minute": 7, "second": 7}
